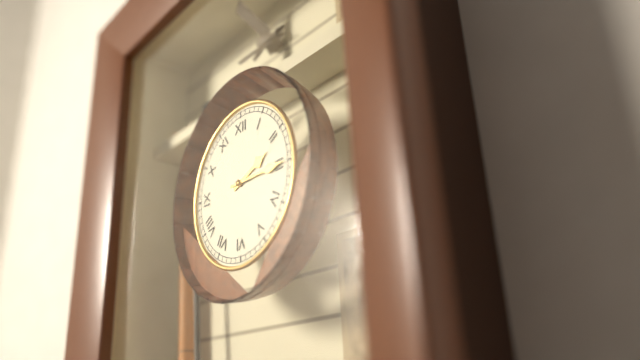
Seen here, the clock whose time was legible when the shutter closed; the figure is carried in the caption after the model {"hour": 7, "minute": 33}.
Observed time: {"hour": 2, "minute": 15}
